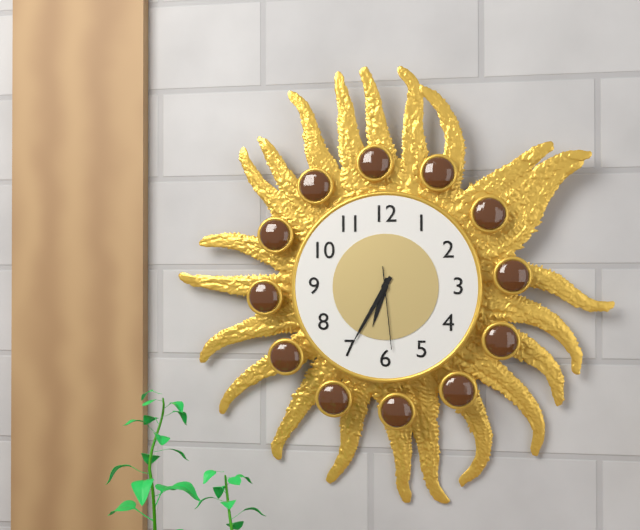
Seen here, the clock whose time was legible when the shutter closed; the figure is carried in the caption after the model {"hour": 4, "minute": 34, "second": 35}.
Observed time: {"hour": 6, "minute": 35, "second": 29}
